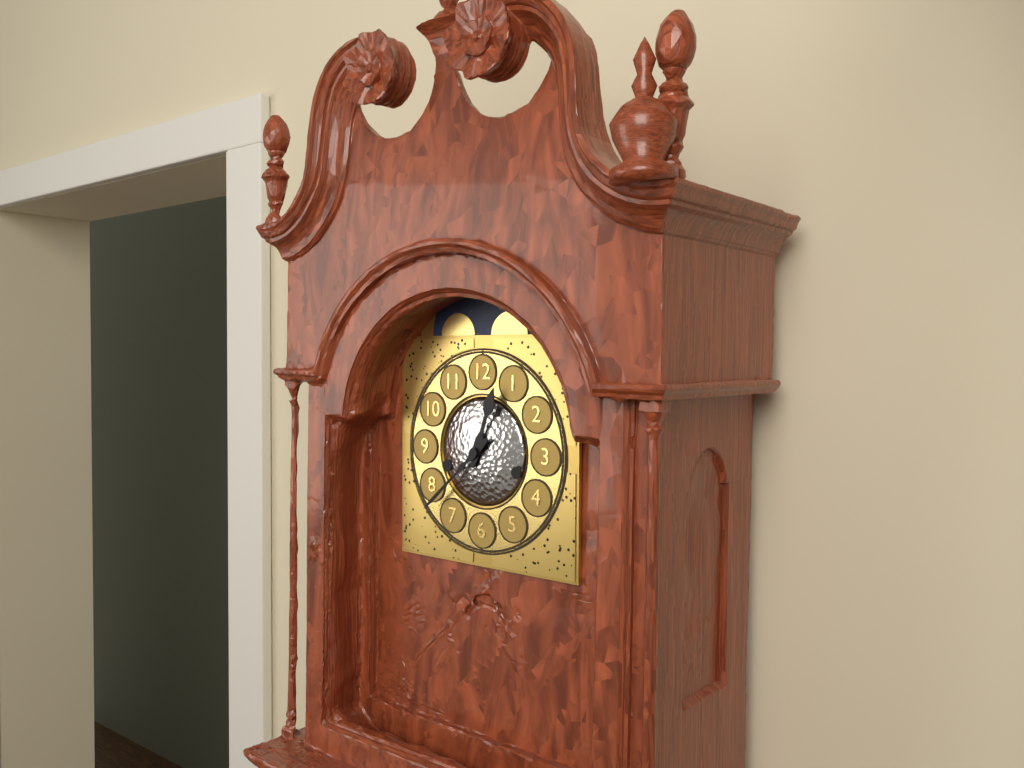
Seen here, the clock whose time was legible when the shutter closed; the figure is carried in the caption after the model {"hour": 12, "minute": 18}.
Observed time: {"hour": 12, "minute": 38}
